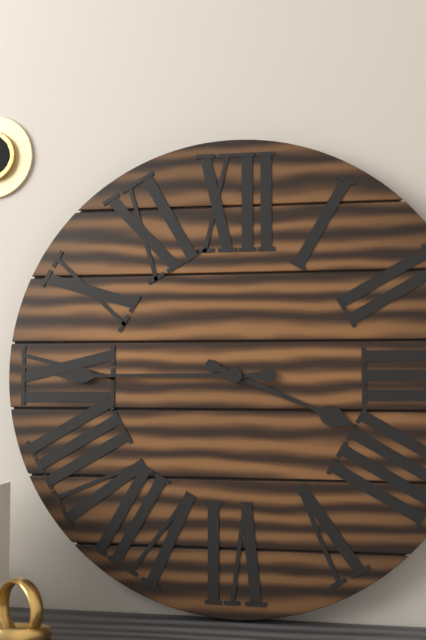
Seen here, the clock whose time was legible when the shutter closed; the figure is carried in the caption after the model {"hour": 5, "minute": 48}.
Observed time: {"hour": 3, "minute": 45}
